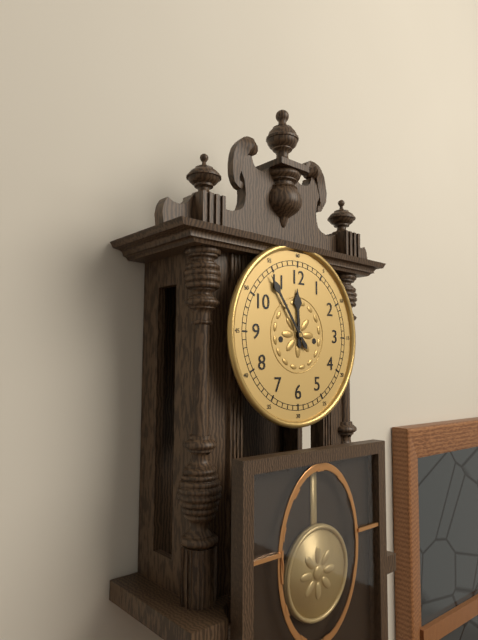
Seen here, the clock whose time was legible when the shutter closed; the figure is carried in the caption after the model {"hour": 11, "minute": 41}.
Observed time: {"hour": 11, "minute": 54}
